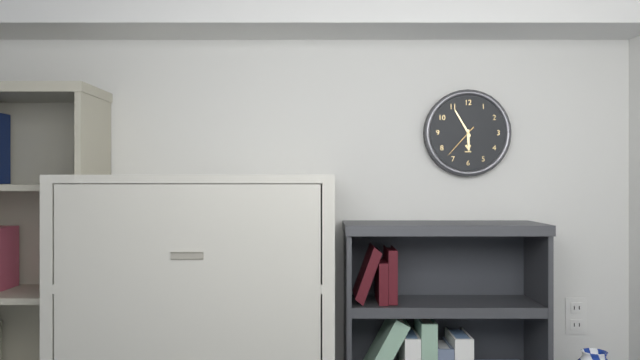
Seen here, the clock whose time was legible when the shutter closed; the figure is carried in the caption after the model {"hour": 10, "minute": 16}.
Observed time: {"hour": 5, "minute": 55}
